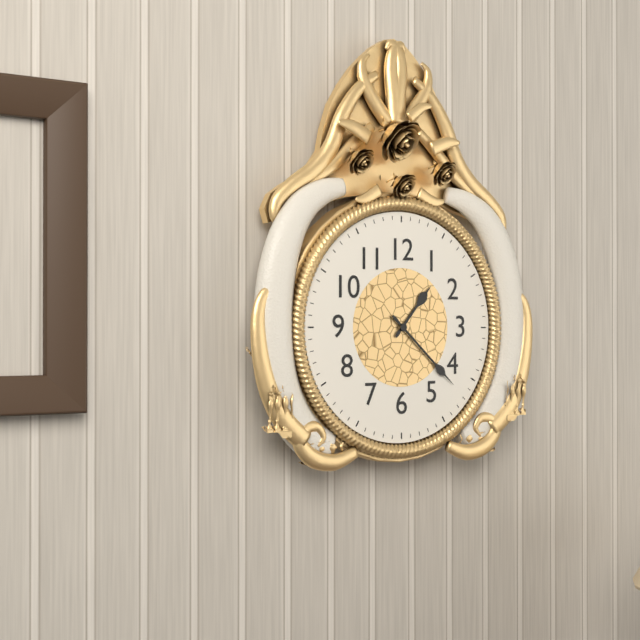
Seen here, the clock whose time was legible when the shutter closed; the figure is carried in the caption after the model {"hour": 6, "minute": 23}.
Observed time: {"hour": 1, "minute": 22}
